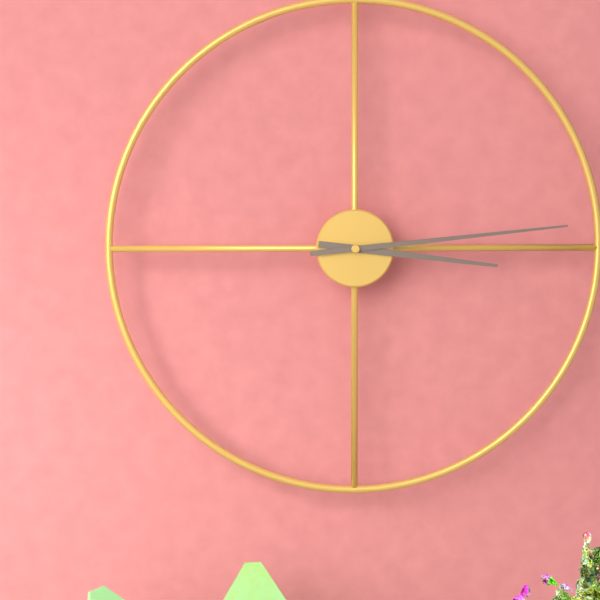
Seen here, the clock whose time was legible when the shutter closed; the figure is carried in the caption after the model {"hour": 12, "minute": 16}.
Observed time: {"hour": 3, "minute": 14}
